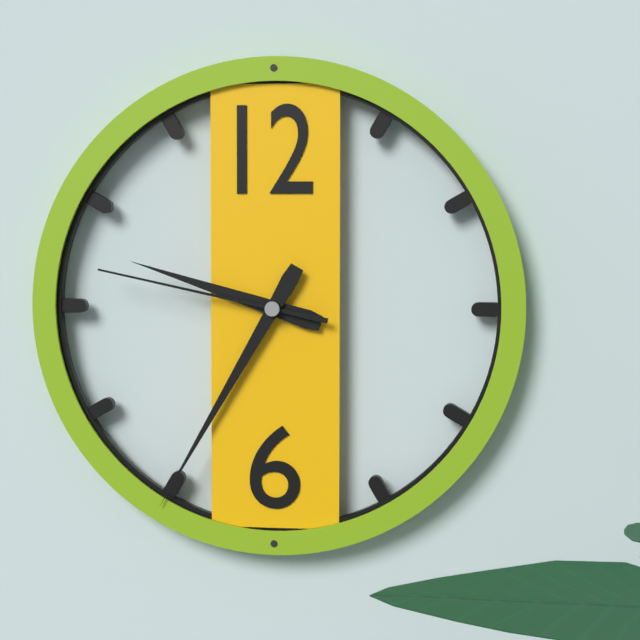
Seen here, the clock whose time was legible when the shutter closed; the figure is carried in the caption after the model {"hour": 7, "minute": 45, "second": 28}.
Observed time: {"hour": 9, "minute": 35, "second": 47}
